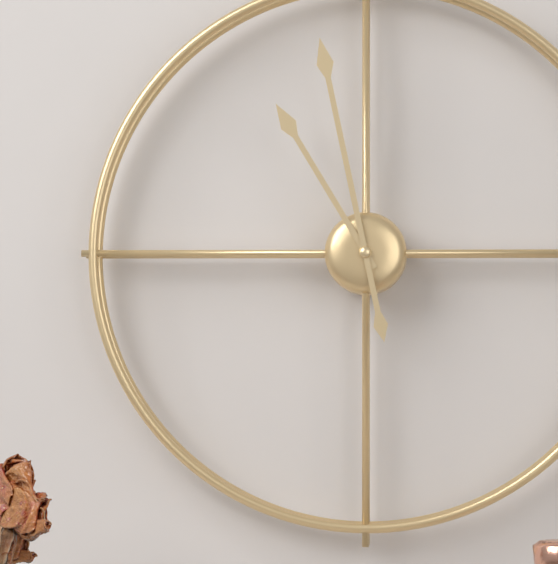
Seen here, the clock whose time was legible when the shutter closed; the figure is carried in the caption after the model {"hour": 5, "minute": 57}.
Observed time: {"hour": 10, "minute": 58}
